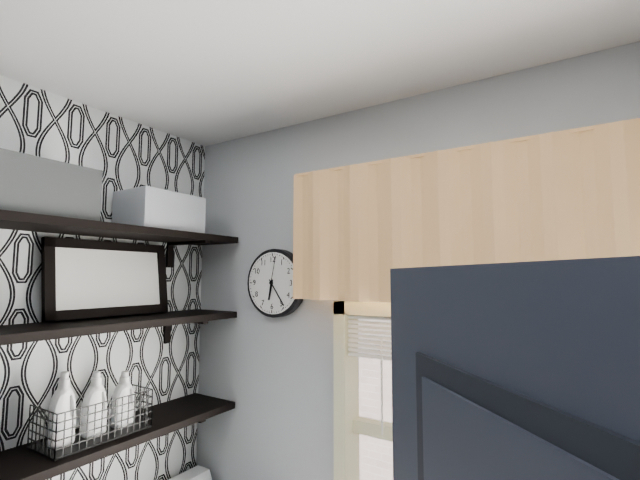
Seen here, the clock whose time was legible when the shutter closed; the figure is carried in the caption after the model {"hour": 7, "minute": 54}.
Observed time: {"hour": 6, "minute": 24}
